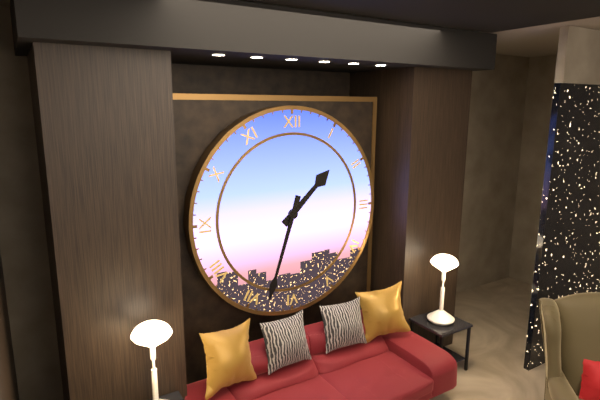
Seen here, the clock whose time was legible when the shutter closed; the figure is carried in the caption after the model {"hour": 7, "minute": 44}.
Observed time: {"hour": 1, "minute": 33}
